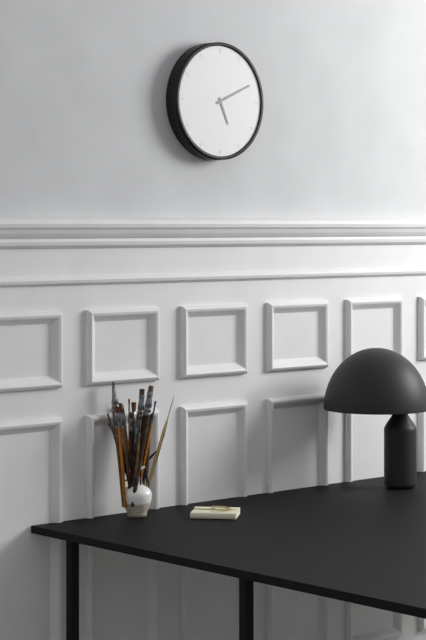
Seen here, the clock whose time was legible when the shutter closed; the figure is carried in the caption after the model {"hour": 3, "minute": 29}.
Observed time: {"hour": 5, "minute": 11}
